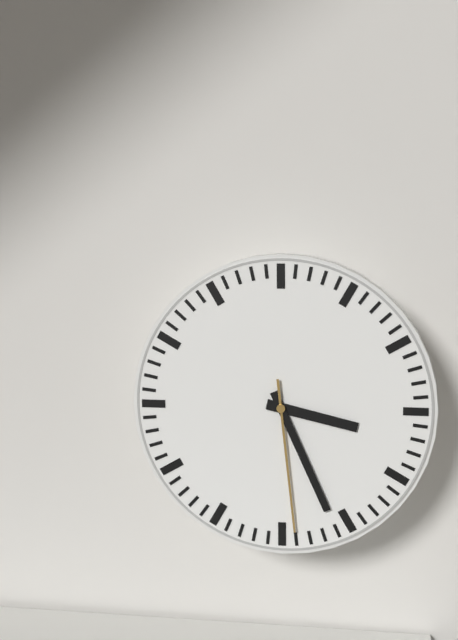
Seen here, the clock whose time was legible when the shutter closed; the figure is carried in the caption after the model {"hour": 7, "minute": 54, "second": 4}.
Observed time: {"hour": 3, "minute": 26, "second": 29}
